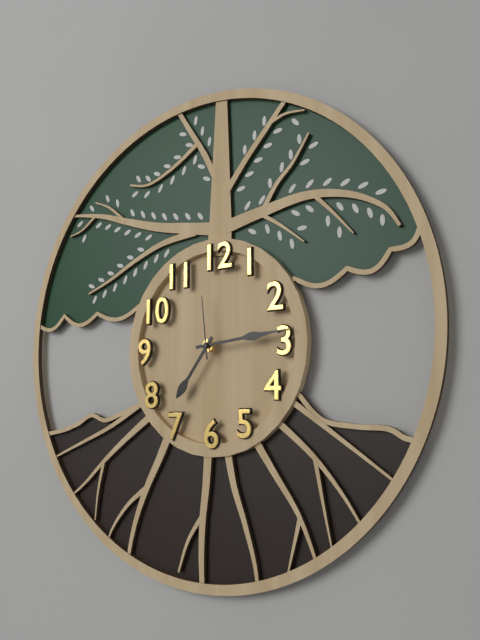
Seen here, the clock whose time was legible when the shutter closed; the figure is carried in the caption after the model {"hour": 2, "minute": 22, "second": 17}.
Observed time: {"hour": 7, "minute": 14, "second": 59}
